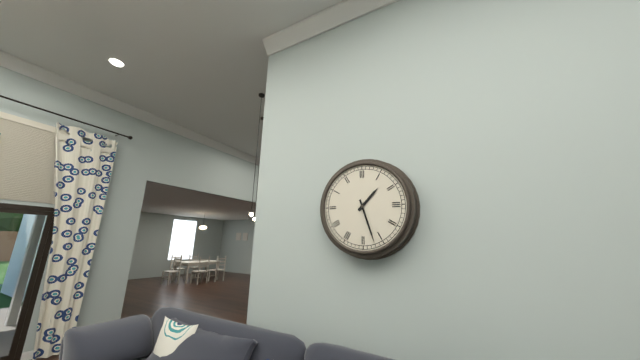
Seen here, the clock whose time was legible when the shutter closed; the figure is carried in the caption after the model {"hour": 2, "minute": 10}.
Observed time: {"hour": 1, "minute": 27}
